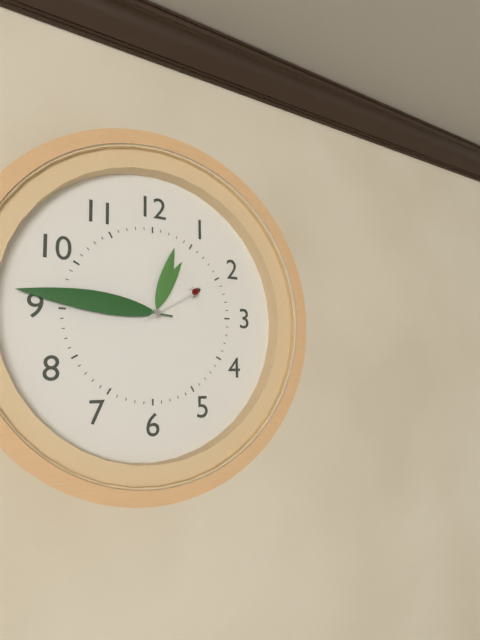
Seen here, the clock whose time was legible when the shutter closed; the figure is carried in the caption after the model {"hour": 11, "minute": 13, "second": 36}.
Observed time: {"hour": 12, "minute": 46, "second": 10}
